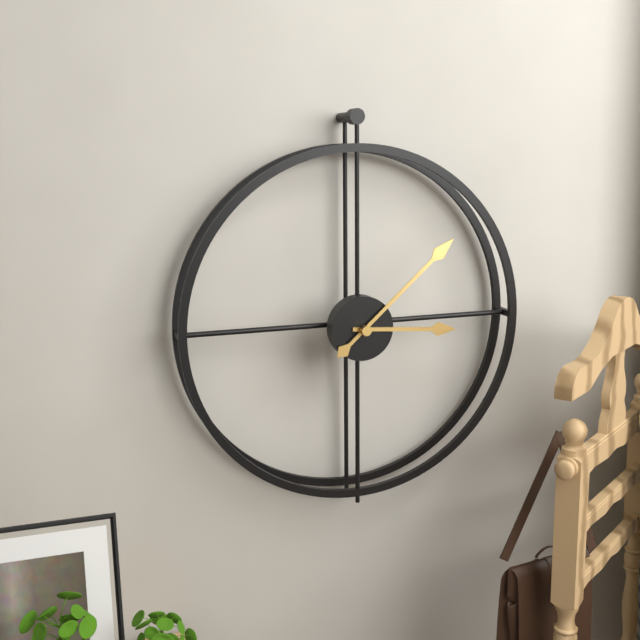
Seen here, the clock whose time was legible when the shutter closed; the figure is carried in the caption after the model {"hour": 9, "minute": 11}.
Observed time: {"hour": 3, "minute": 8}
